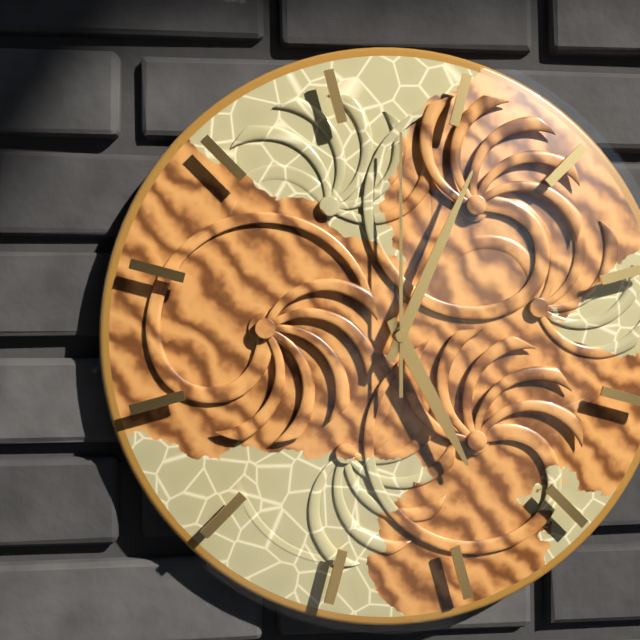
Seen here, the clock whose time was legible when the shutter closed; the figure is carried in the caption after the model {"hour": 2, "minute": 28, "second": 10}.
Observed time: {"hour": 5, "minute": 4, "second": 0}
